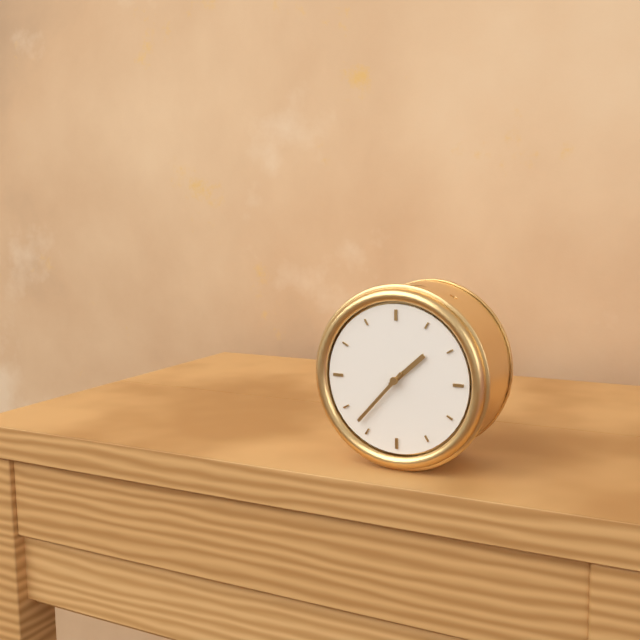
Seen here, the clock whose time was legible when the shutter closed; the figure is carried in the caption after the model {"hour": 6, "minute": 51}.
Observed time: {"hour": 1, "minute": 37}
